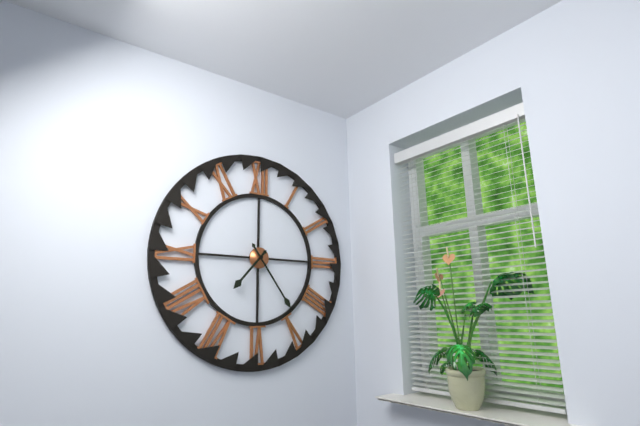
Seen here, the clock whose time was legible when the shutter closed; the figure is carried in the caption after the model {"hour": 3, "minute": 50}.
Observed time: {"hour": 7, "minute": 24}
